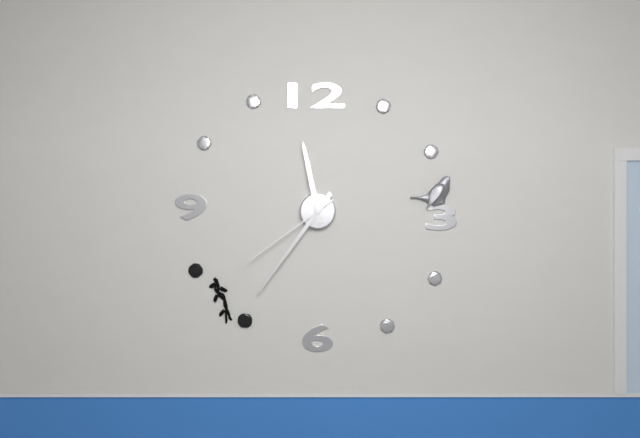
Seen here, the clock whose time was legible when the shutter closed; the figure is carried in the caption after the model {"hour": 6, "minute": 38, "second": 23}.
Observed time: {"hour": 11, "minute": 36, "second": 39}
